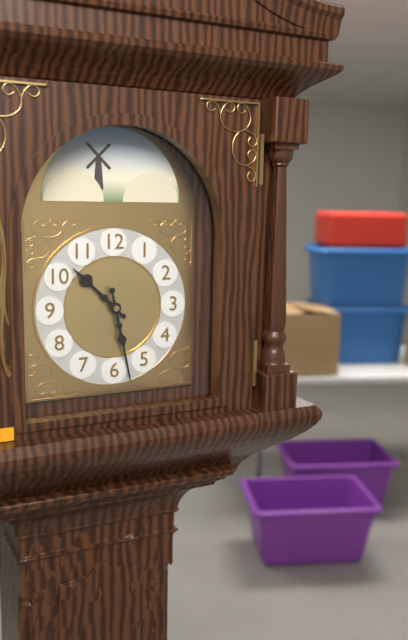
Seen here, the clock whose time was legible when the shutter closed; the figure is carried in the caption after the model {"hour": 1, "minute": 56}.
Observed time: {"hour": 10, "minute": 28}
